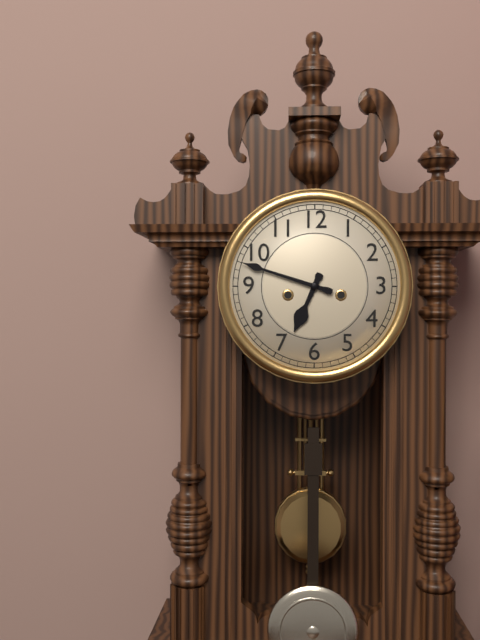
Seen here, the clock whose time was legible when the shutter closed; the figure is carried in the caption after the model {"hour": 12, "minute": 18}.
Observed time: {"hour": 6, "minute": 48}
